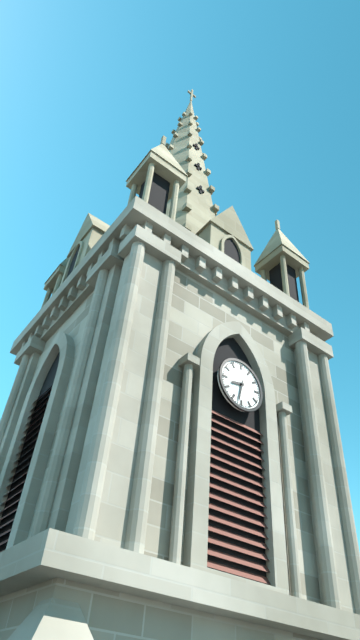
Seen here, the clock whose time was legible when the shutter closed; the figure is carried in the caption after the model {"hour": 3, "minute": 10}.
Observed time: {"hour": 8, "minute": 32}
